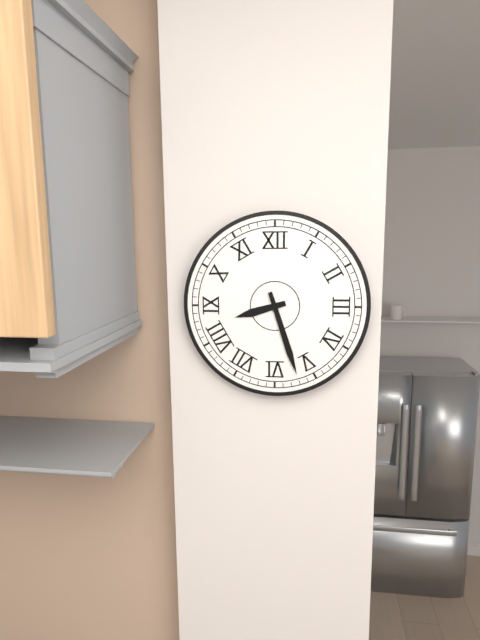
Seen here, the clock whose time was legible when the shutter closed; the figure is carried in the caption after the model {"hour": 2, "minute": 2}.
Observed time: {"hour": 8, "minute": 27}
